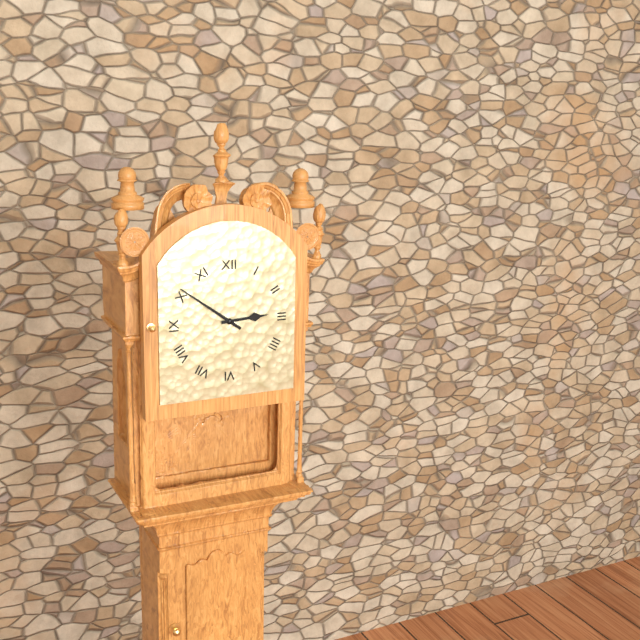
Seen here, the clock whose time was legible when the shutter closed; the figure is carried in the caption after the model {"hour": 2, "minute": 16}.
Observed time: {"hour": 2, "minute": 51}
